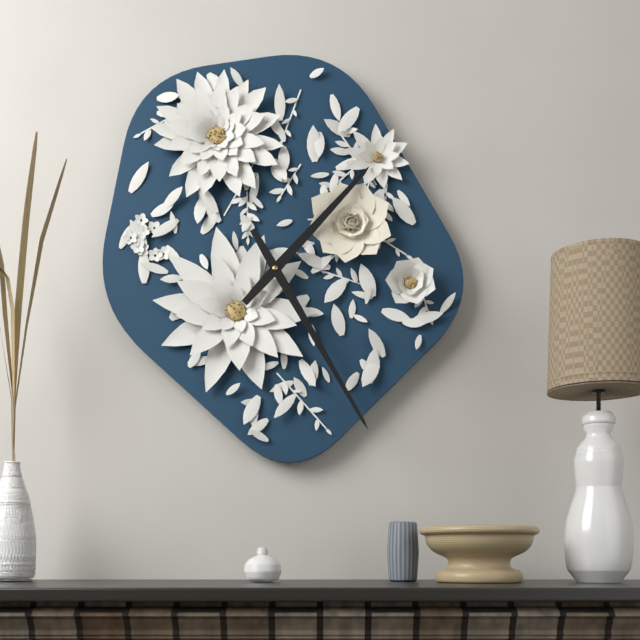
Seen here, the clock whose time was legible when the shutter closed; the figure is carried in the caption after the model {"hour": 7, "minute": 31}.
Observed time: {"hour": 1, "minute": 25}
